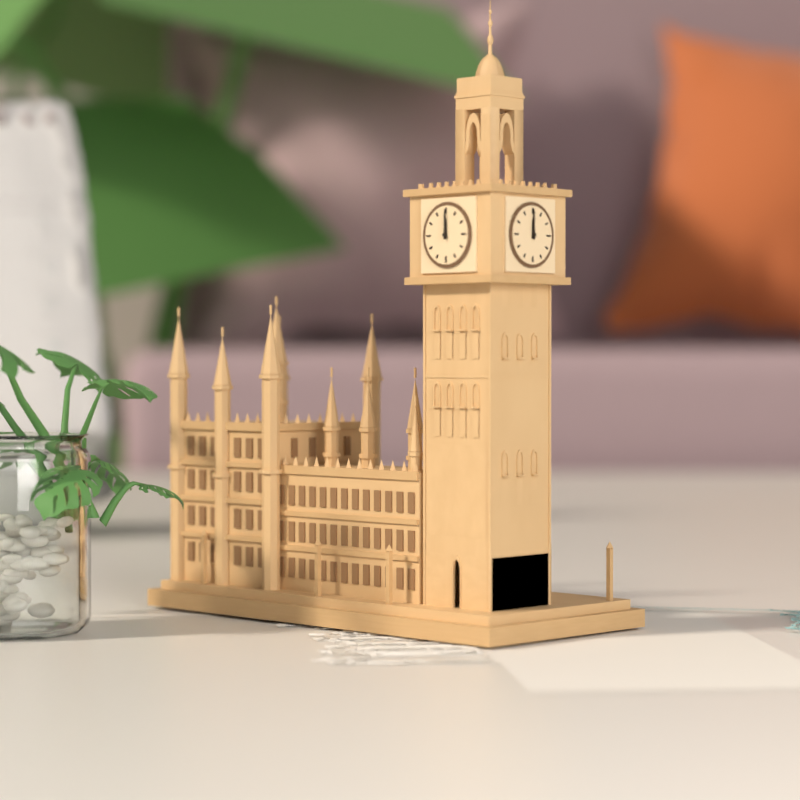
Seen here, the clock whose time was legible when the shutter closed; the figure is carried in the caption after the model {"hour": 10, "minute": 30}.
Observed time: {"hour": 12, "minute": 0}
